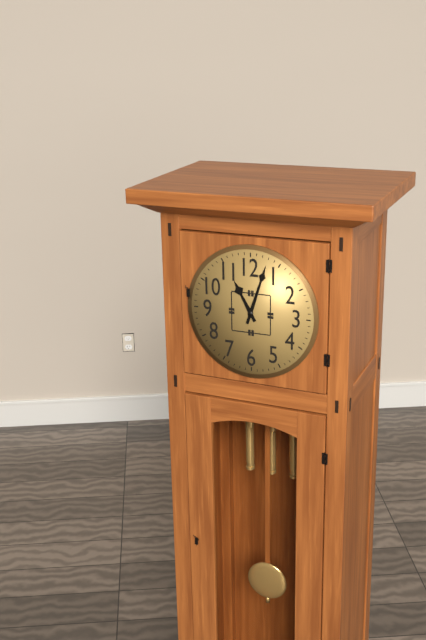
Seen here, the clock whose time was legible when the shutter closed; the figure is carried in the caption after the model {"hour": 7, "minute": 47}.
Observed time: {"hour": 11, "minute": 3}
